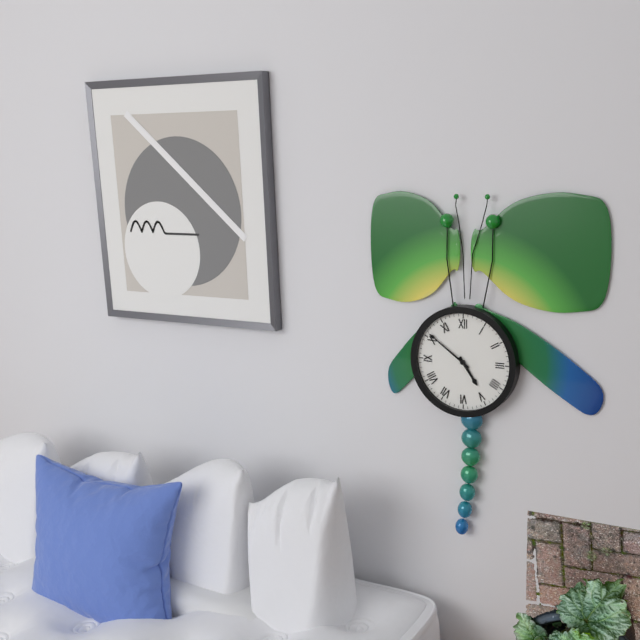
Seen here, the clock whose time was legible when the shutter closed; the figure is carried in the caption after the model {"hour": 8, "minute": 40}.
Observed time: {"hour": 4, "minute": 51}
